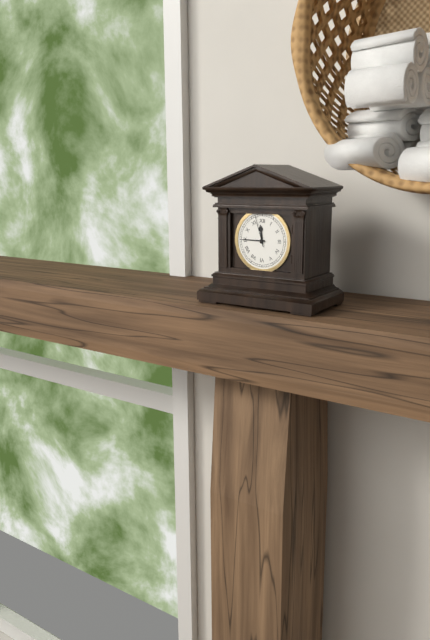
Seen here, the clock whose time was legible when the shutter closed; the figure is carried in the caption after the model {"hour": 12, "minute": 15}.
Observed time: {"hour": 11, "minute": 45}
